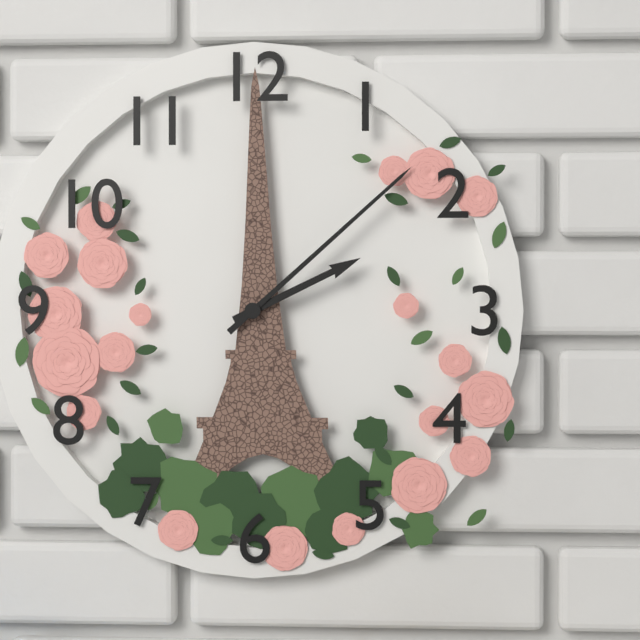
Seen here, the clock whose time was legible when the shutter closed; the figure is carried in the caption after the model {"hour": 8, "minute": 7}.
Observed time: {"hour": 2, "minute": 8}
